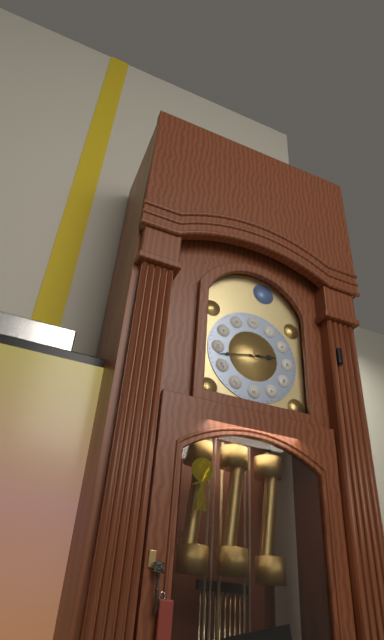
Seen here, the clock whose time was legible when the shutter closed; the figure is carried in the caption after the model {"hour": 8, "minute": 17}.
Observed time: {"hour": 2, "minute": 43}
